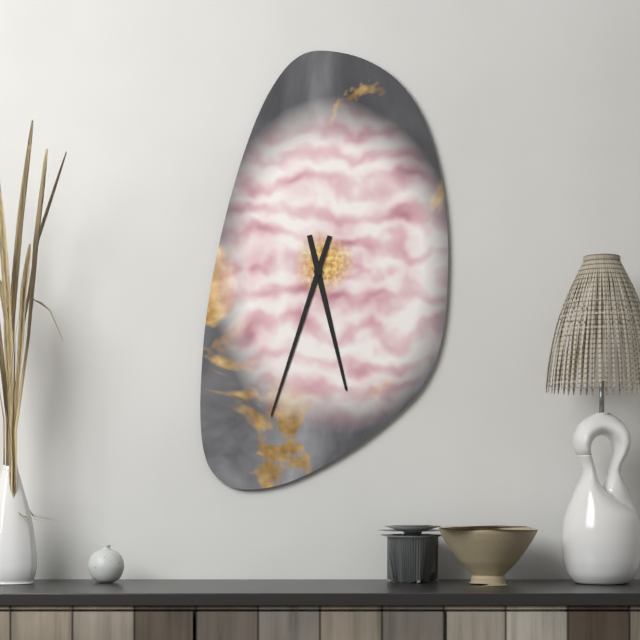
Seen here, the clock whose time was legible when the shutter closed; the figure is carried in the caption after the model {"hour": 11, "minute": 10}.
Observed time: {"hour": 5, "minute": 33}
